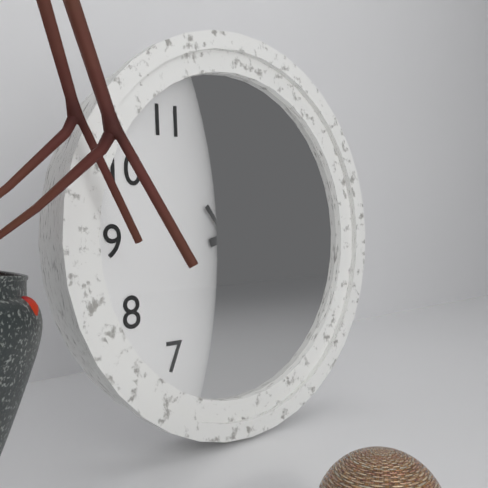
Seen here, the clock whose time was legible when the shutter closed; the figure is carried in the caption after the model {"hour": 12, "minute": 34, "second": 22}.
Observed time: {"hour": 12, "minute": 12, "second": 24}
